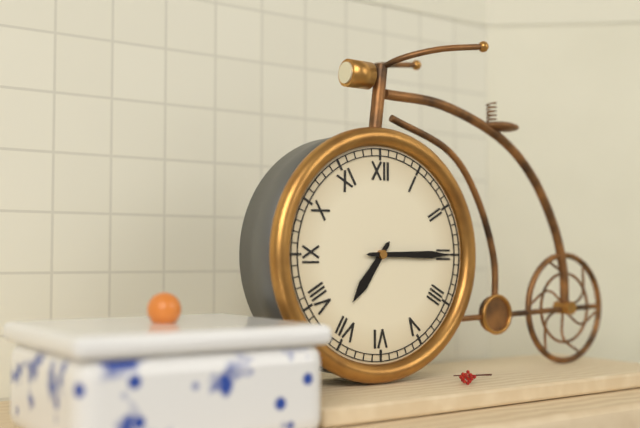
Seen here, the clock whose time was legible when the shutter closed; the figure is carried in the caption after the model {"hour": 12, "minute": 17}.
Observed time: {"hour": 7, "minute": 15}
